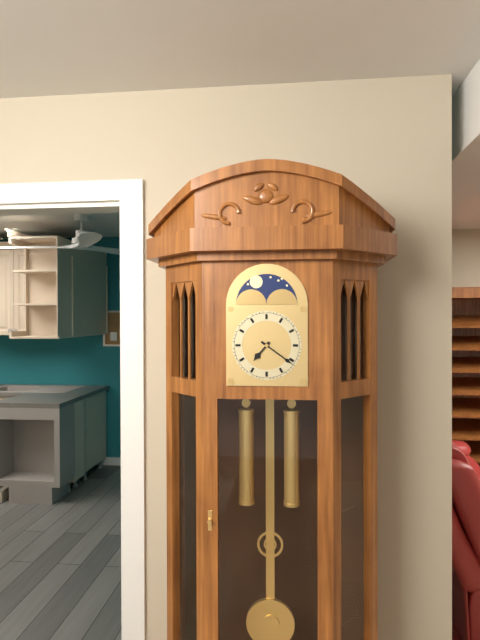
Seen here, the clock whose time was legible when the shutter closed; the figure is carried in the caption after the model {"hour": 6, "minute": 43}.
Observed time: {"hour": 7, "minute": 21}
